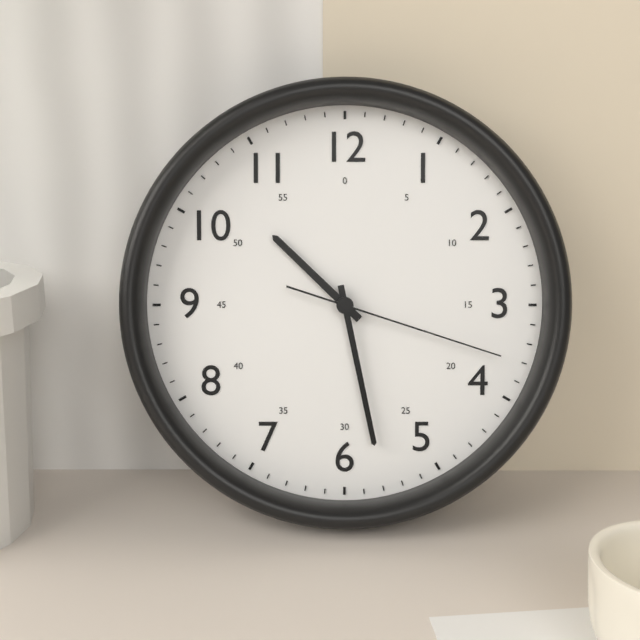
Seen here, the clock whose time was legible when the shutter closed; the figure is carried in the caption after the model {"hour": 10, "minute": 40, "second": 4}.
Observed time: {"hour": 10, "minute": 28, "second": 18}
